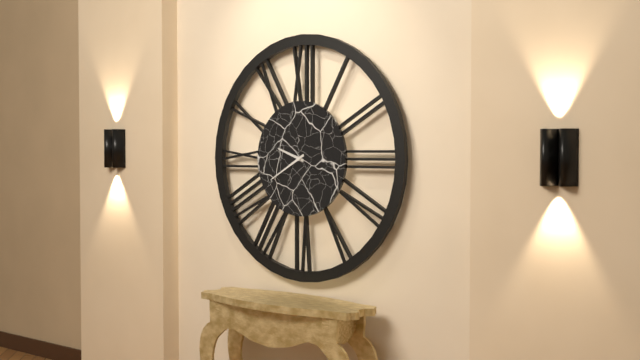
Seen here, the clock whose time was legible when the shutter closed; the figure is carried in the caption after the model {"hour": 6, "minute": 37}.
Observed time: {"hour": 9, "minute": 40}
